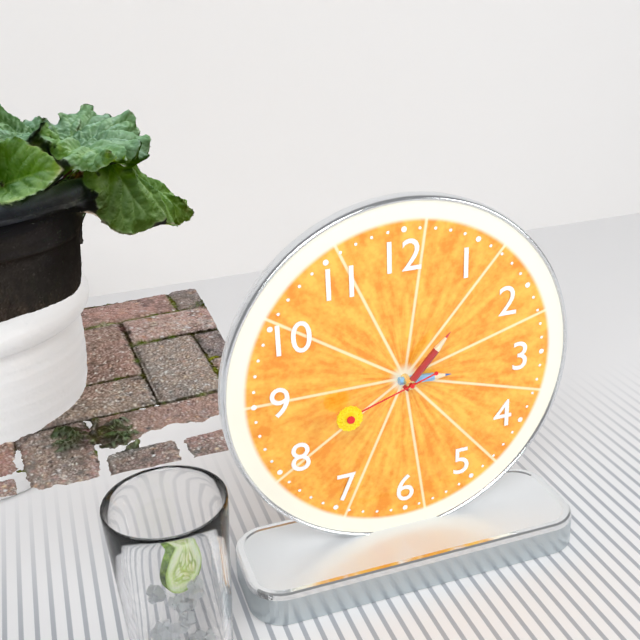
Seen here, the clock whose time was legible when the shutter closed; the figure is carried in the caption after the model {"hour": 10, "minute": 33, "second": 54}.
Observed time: {"hour": 3, "minute": 7, "second": 42}
